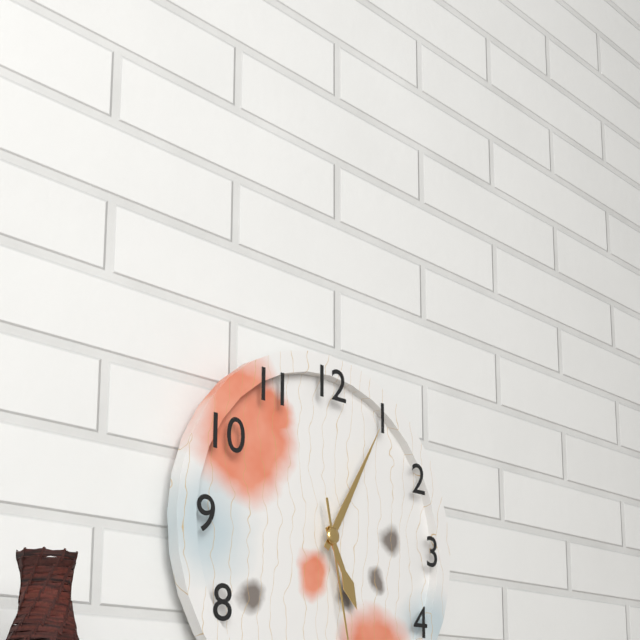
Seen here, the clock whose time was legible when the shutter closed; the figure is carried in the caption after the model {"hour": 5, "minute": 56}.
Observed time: {"hour": 5, "minute": 5}
